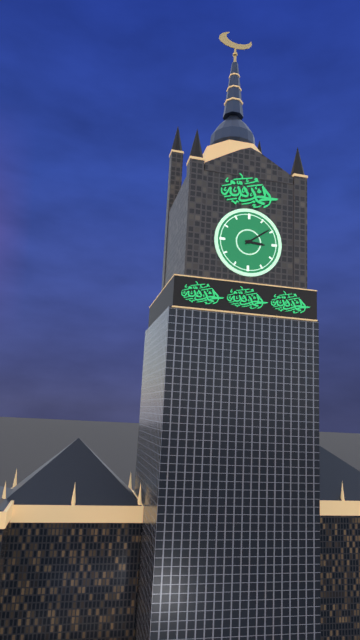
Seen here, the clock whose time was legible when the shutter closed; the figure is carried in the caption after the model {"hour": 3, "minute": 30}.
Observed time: {"hour": 3, "minute": 9}
